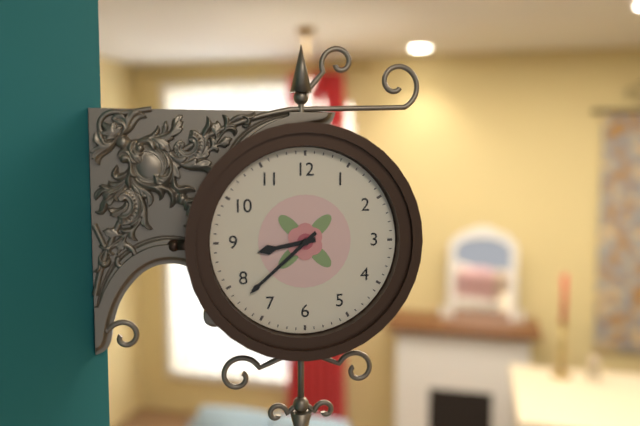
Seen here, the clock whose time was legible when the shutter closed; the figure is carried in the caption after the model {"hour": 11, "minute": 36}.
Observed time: {"hour": 8, "minute": 38}
